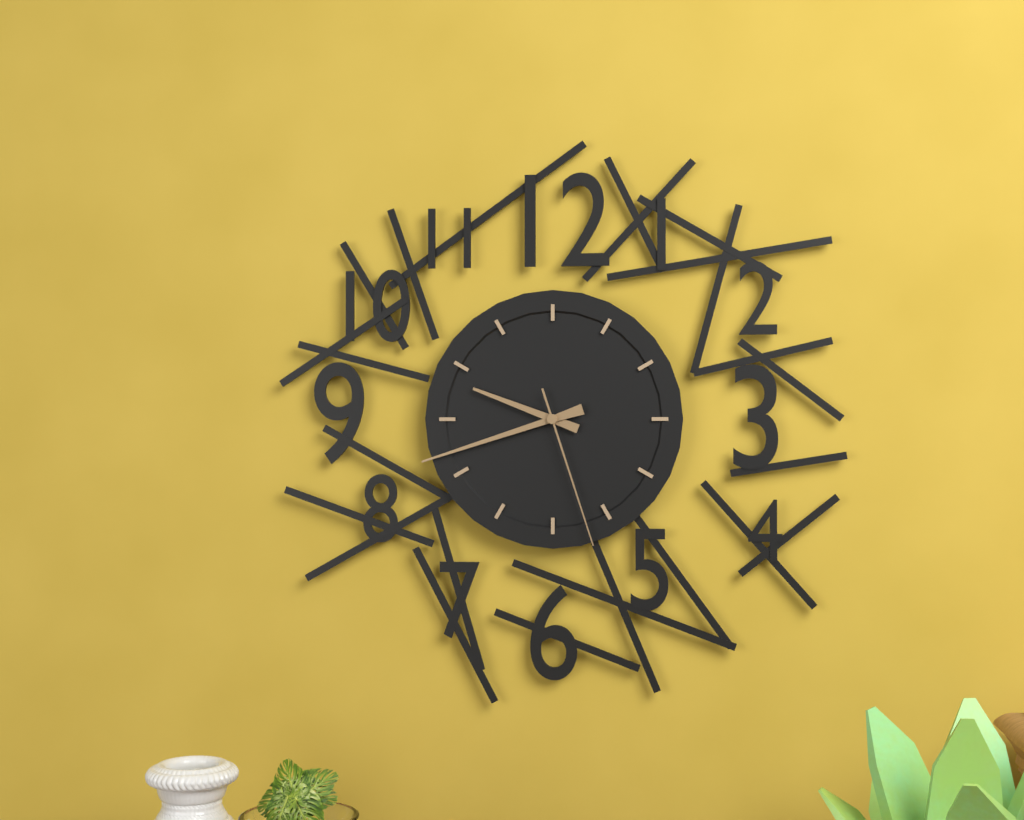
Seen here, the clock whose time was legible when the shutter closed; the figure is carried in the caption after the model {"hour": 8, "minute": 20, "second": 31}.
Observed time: {"hour": 9, "minute": 42, "second": 27}
